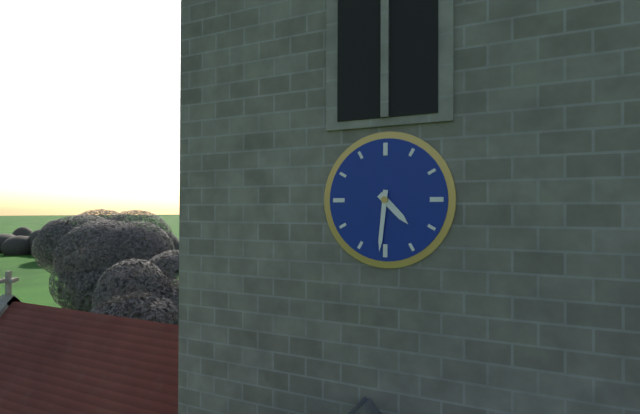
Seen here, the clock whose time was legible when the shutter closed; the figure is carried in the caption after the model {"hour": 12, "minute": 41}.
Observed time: {"hour": 4, "minute": 31}
